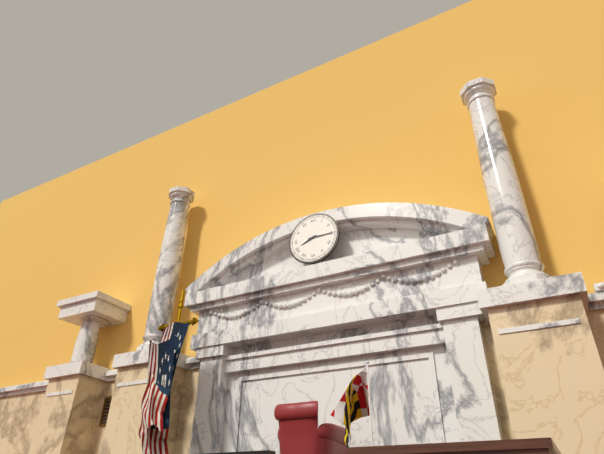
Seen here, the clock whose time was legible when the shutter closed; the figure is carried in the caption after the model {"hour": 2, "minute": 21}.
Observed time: {"hour": 8, "minute": 15}
